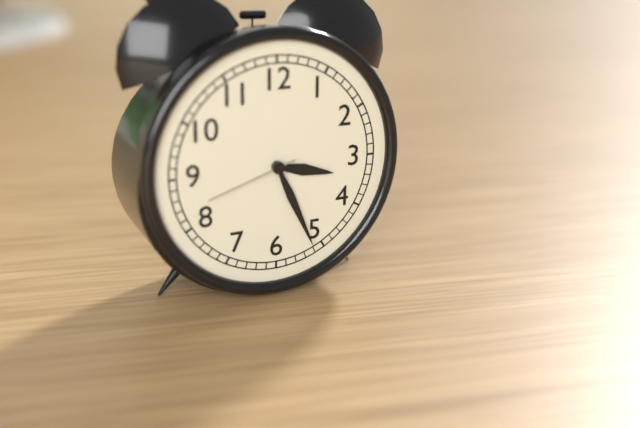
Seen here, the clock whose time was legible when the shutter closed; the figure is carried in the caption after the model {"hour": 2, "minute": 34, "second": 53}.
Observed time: {"hour": 3, "minute": 26, "second": 42}
